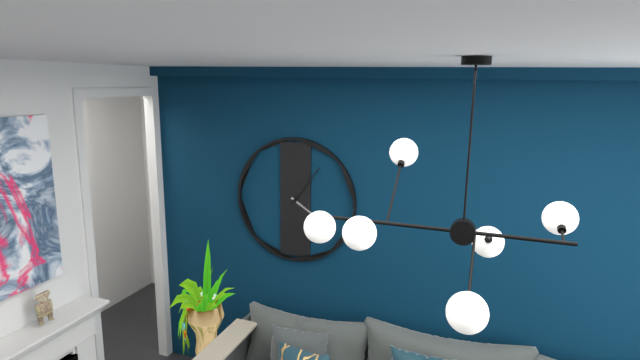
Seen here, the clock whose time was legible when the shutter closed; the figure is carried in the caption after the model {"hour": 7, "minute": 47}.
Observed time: {"hour": 4, "minute": 6}
